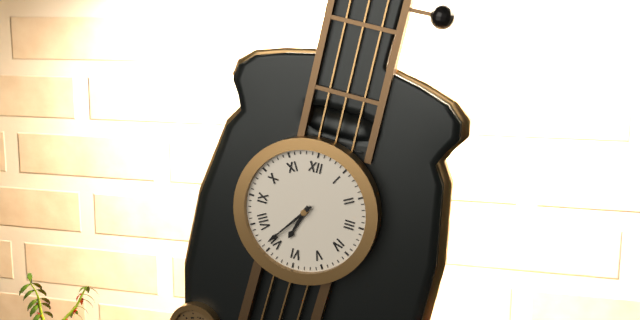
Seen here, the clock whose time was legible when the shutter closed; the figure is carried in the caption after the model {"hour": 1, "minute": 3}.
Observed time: {"hour": 6, "minute": 36}
